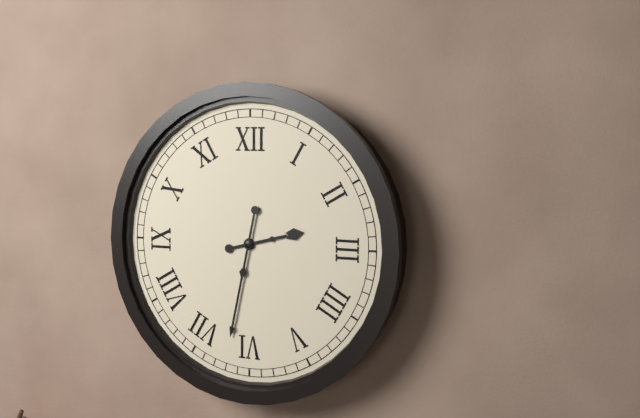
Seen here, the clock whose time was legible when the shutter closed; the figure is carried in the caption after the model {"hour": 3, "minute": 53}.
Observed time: {"hour": 2, "minute": 32}
